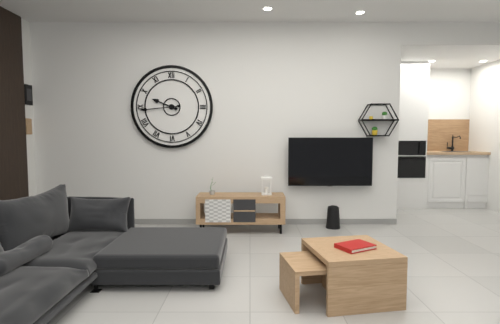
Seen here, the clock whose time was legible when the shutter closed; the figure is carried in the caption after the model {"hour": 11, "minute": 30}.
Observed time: {"hour": 9, "minute": 44}
